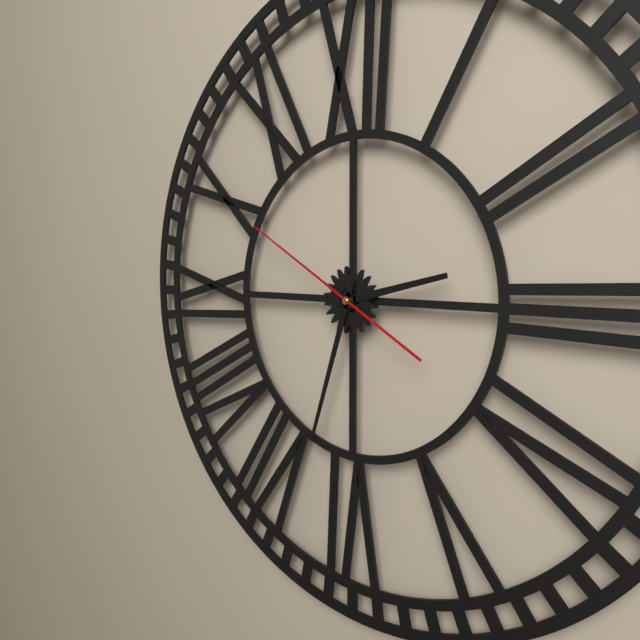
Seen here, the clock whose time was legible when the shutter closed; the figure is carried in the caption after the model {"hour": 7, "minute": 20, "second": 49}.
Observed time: {"hour": 2, "minute": 33, "second": 50}
